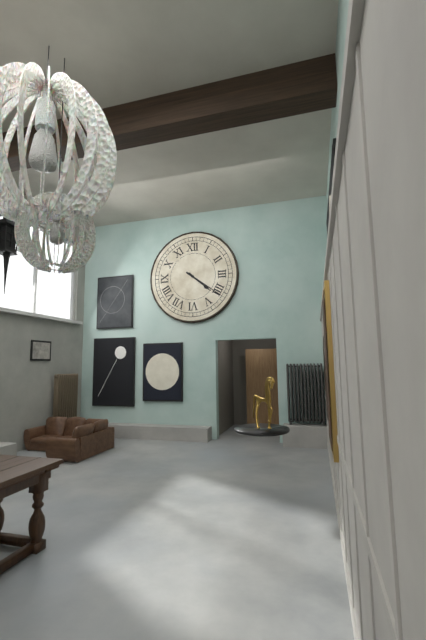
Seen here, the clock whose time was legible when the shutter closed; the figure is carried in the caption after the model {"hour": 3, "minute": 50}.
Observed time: {"hour": 4, "minute": 21}
